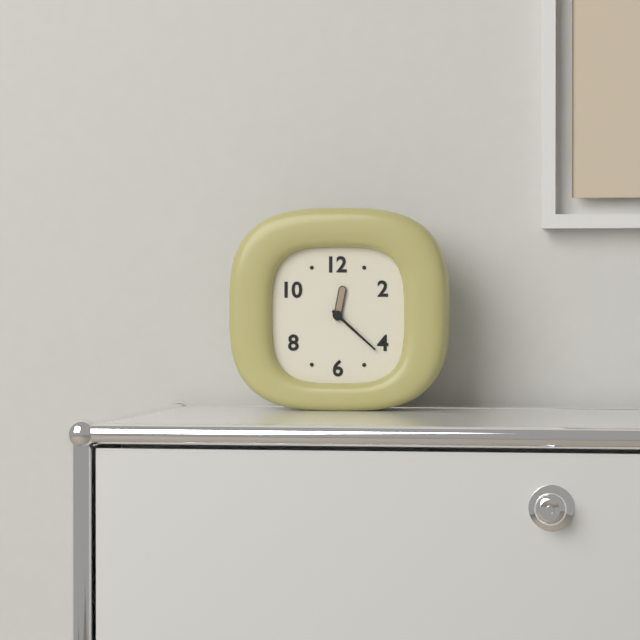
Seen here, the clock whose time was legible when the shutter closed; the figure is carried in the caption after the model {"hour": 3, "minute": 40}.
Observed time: {"hour": 12, "minute": 22}
